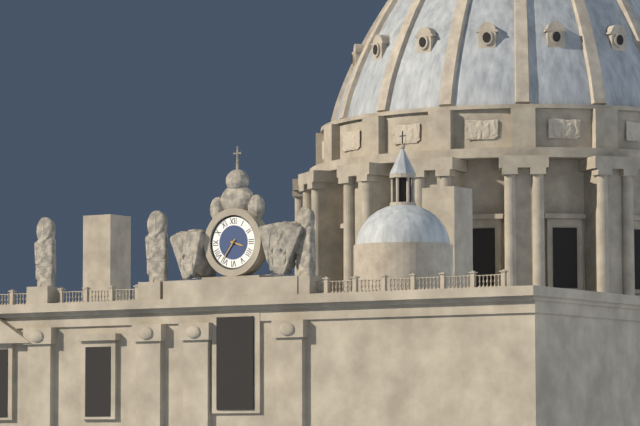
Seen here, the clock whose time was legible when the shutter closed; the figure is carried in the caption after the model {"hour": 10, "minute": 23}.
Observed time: {"hour": 3, "minute": 36}
